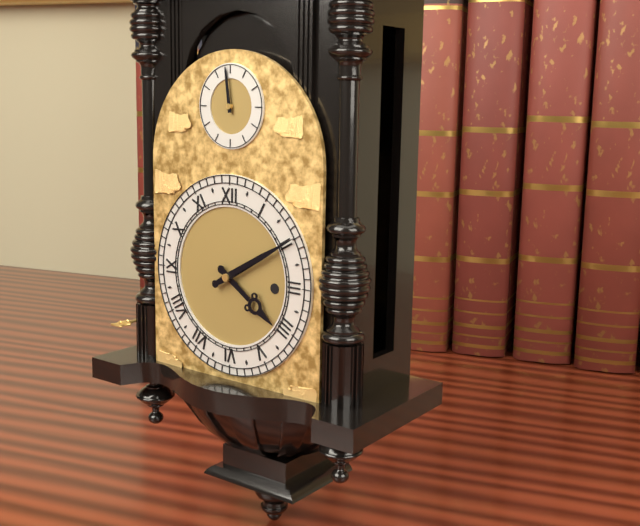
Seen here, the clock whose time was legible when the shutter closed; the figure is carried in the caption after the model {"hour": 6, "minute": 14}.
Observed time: {"hour": 4, "minute": 10}
